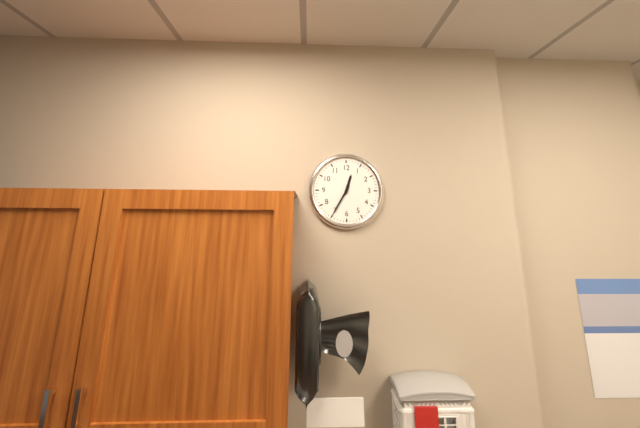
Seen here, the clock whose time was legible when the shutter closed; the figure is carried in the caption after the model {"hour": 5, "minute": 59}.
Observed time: {"hour": 12, "minute": 35}
